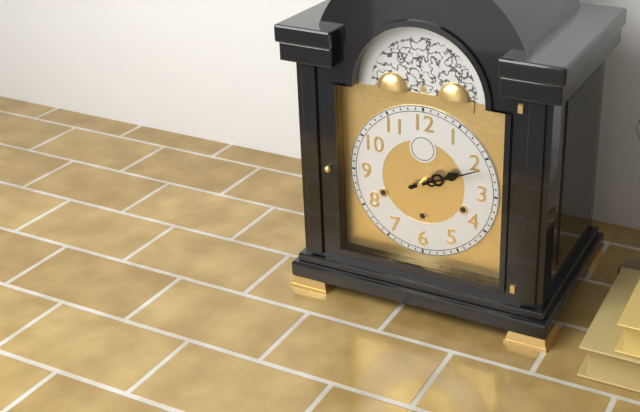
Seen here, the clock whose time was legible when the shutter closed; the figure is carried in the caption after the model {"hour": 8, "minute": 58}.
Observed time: {"hour": 2, "minute": 11}
